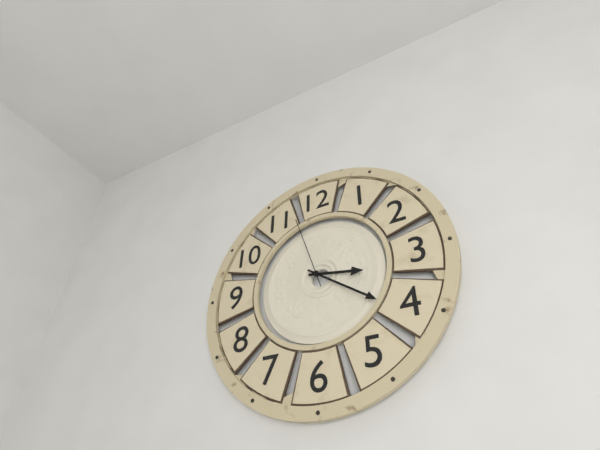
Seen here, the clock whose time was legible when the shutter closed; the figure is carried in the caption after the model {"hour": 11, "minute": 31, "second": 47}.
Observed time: {"hour": 3, "minute": 21, "second": 57}
